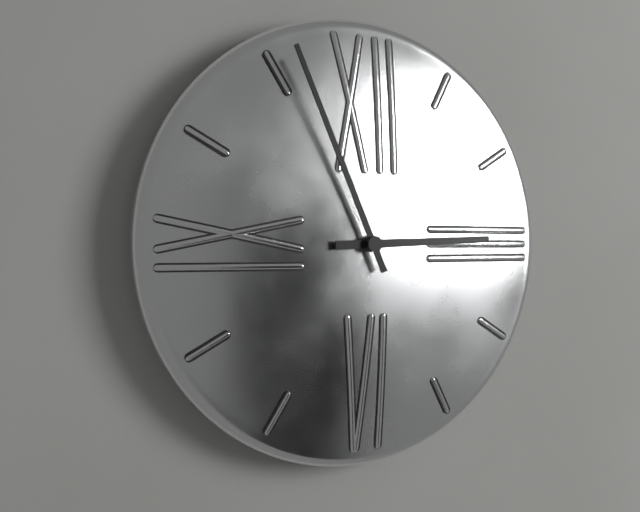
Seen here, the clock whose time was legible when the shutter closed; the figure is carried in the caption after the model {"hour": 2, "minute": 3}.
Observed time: {"hour": 2, "minute": 56}
